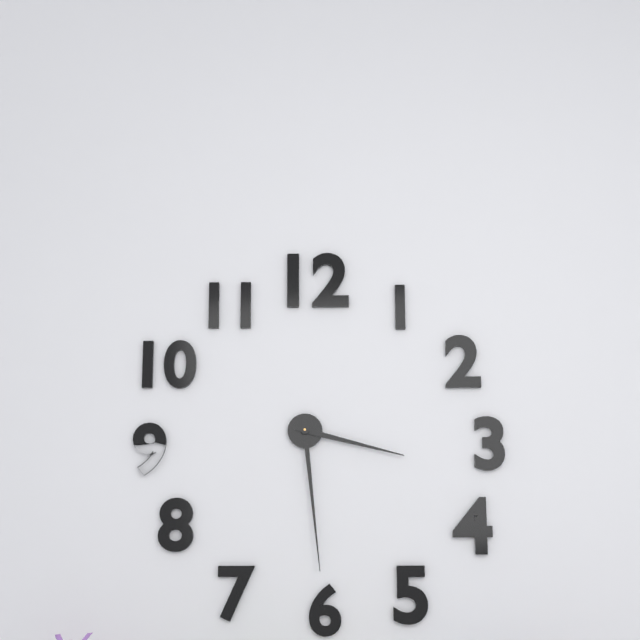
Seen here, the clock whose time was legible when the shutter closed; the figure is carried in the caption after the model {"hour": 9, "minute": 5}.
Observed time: {"hour": 3, "minute": 29}
